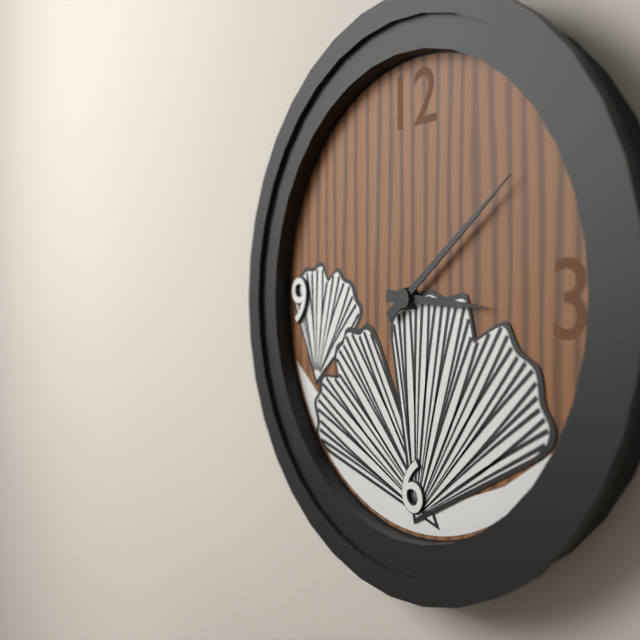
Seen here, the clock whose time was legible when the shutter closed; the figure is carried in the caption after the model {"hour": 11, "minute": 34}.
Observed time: {"hour": 3, "minute": 9}
